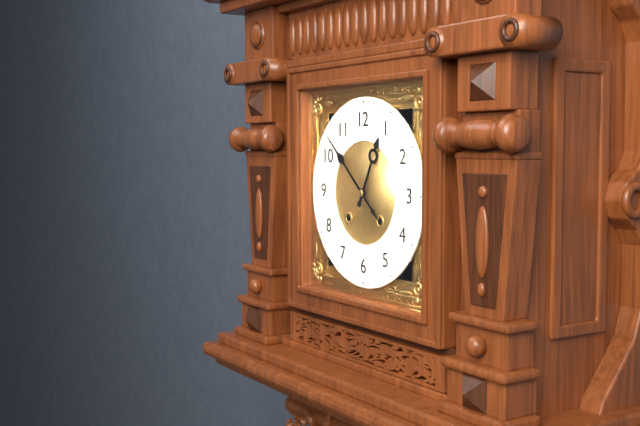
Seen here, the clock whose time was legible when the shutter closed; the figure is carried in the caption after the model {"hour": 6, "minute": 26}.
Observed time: {"hour": 12, "minute": 52}
